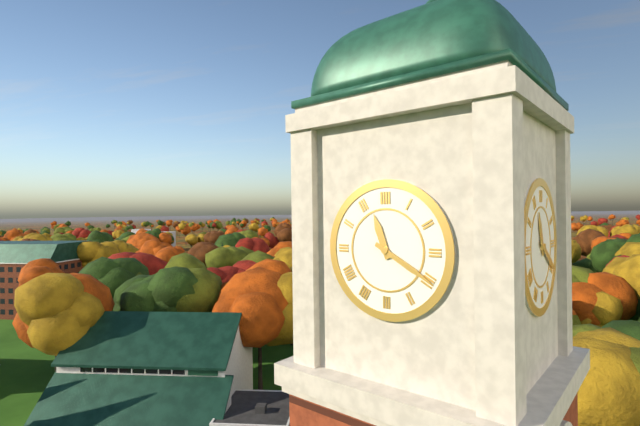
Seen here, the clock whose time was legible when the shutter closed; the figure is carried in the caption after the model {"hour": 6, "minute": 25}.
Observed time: {"hour": 11, "minute": 20}
